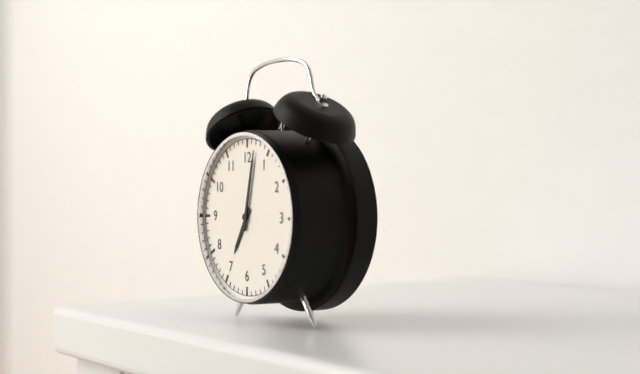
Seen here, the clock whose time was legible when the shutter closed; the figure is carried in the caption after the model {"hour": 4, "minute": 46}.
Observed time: {"hour": 7, "minute": 2}
